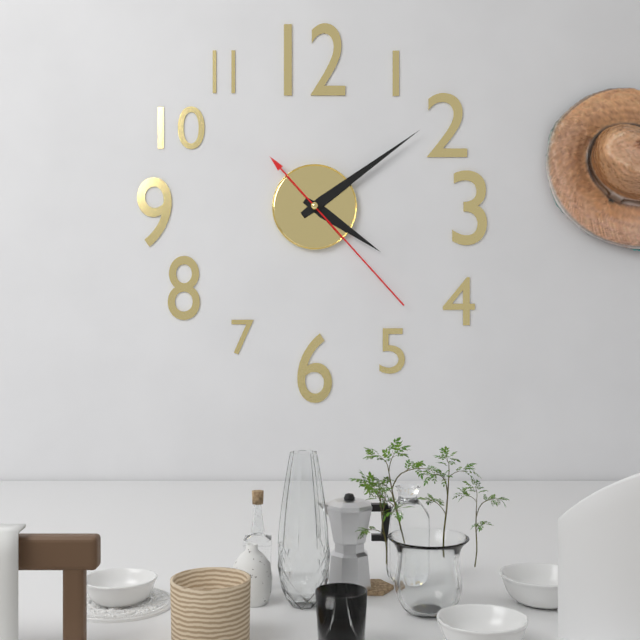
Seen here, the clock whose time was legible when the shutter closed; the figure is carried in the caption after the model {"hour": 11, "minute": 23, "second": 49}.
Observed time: {"hour": 4, "minute": 9, "second": 23}
